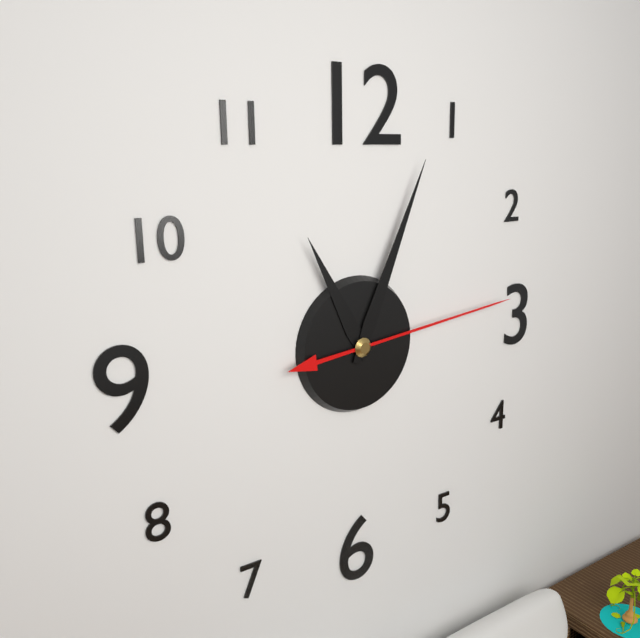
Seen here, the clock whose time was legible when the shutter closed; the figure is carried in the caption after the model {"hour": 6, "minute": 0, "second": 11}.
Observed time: {"hour": 11, "minute": 4, "second": 14}
